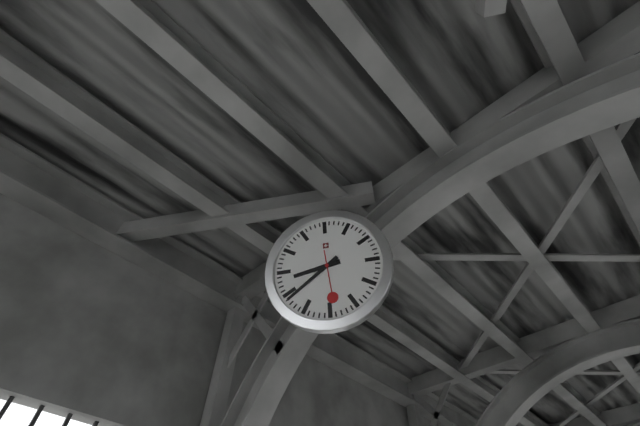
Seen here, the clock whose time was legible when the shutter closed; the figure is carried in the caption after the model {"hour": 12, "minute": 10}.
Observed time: {"hour": 8, "minute": 39}
